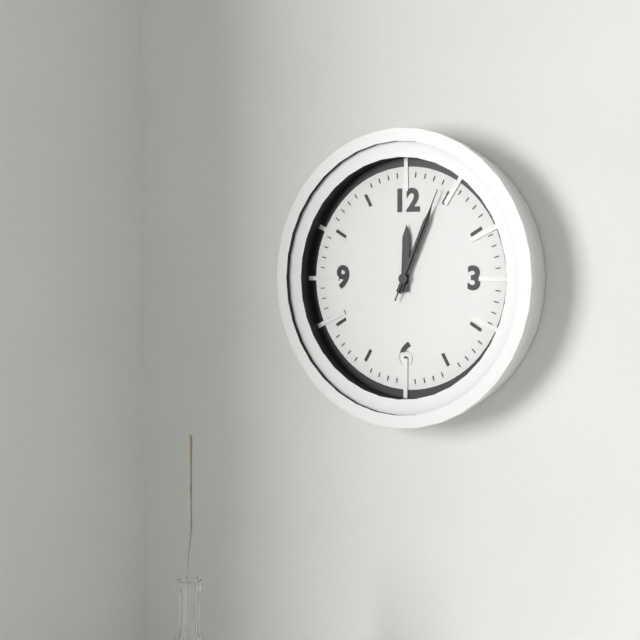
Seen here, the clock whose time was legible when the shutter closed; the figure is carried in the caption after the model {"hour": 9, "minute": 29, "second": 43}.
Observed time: {"hour": 12, "minute": 4, "second": 4}
